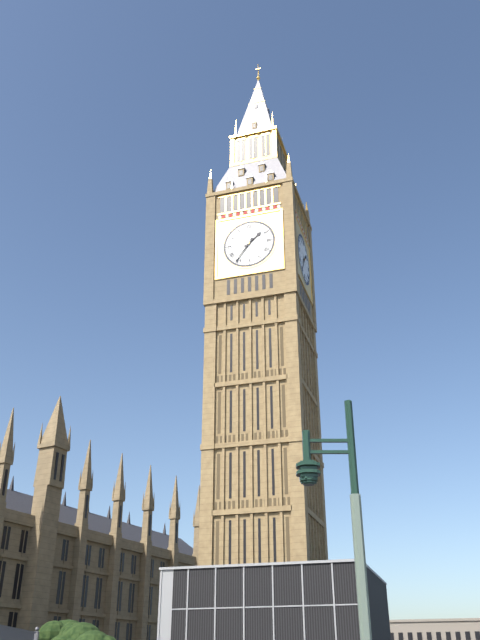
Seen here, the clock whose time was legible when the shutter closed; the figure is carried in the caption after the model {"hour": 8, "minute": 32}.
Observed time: {"hour": 1, "minute": 36}
